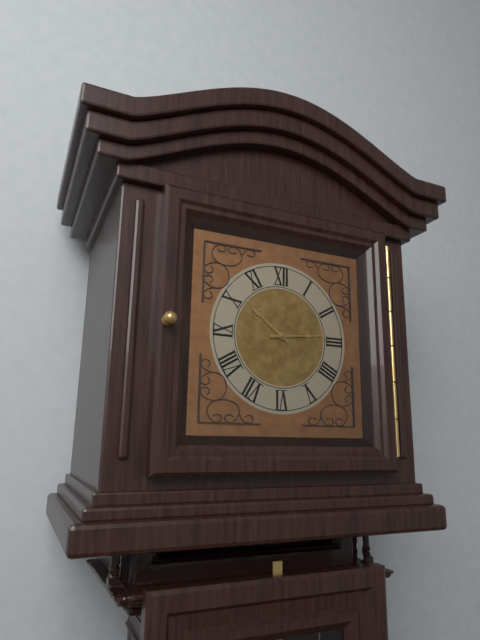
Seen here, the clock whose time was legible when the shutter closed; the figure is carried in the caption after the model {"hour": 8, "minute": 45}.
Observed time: {"hour": 10, "minute": 14}
